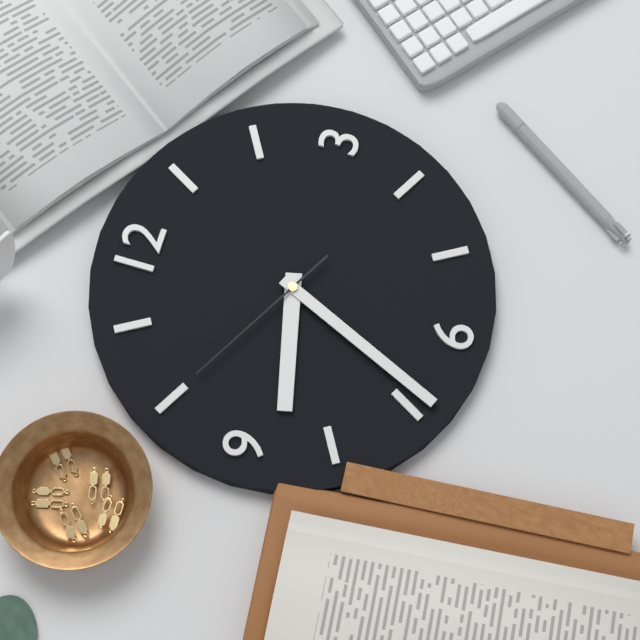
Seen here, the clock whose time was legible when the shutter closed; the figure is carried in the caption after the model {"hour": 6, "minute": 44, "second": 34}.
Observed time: {"hour": 8, "minute": 34, "second": 50}
